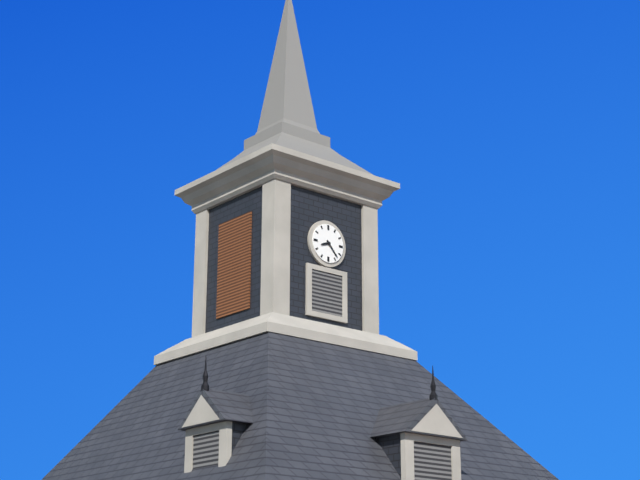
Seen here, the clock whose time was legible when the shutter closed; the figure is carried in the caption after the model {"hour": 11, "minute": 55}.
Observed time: {"hour": 8, "minute": 23}
